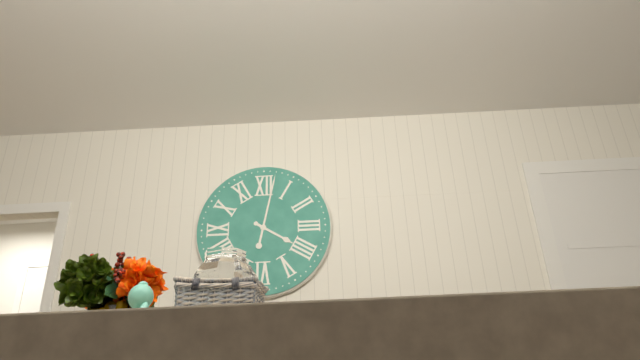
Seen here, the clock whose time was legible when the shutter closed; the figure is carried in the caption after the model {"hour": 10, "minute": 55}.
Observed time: {"hour": 4, "minute": 2}
